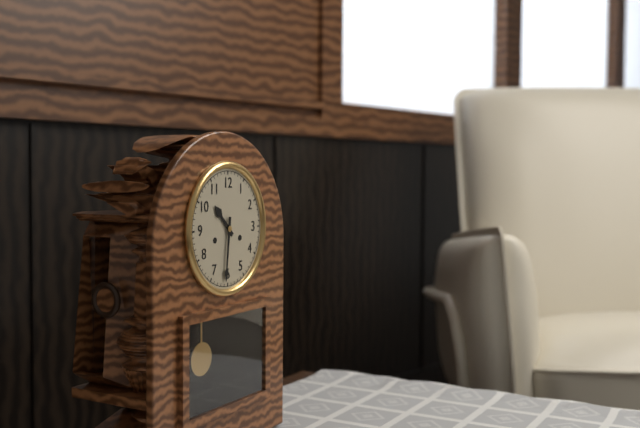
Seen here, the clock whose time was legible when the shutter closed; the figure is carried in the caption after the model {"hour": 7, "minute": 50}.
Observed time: {"hour": 10, "minute": 31}
